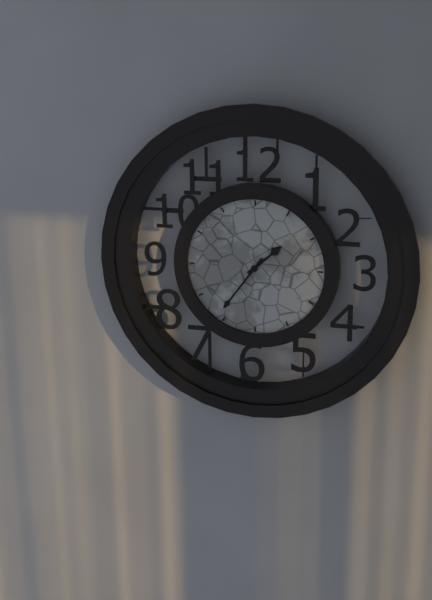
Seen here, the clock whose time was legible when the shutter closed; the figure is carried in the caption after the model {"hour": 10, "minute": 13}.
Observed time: {"hour": 1, "minute": 36}
